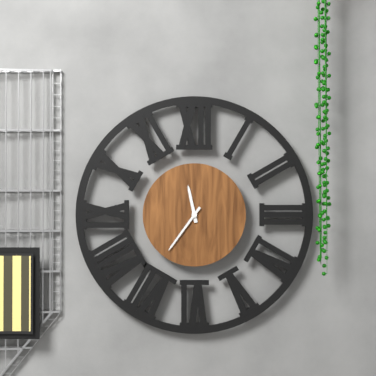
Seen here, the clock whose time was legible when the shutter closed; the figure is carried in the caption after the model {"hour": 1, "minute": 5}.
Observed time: {"hour": 11, "minute": 36}
